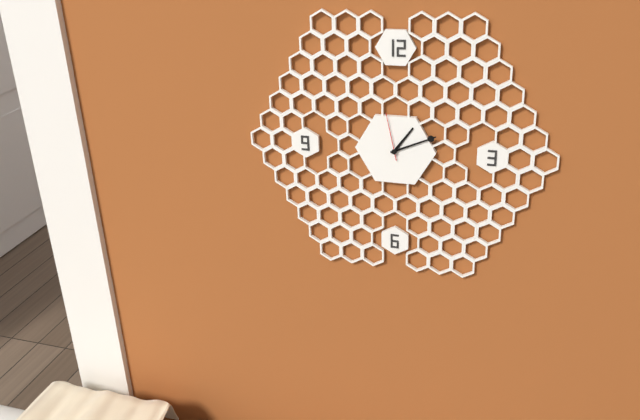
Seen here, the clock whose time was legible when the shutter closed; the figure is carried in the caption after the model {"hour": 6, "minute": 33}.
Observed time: {"hour": 1, "minute": 11}
